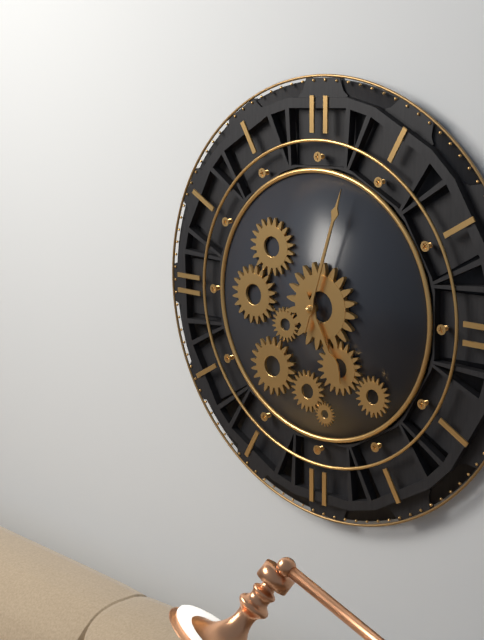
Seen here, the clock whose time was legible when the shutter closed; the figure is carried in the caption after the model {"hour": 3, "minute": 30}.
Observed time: {"hour": 5, "minute": 3}
